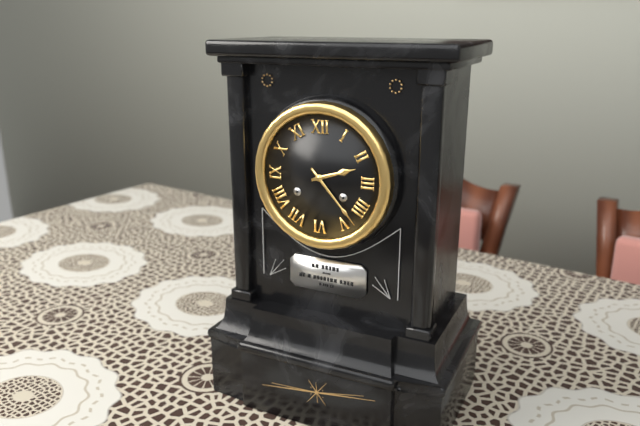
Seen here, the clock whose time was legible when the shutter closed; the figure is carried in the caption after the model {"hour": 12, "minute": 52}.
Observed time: {"hour": 2, "minute": 23}
